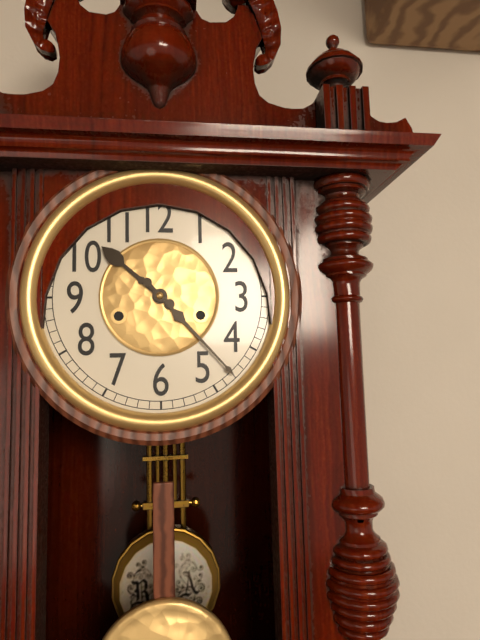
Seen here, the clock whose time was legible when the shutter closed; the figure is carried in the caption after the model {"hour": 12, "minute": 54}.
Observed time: {"hour": 10, "minute": 23}
